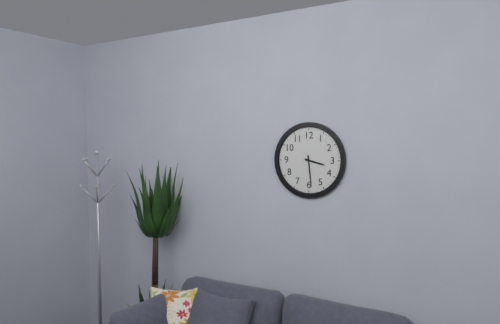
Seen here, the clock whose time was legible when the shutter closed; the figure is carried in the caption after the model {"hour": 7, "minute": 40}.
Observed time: {"hour": 3, "minute": 29}
